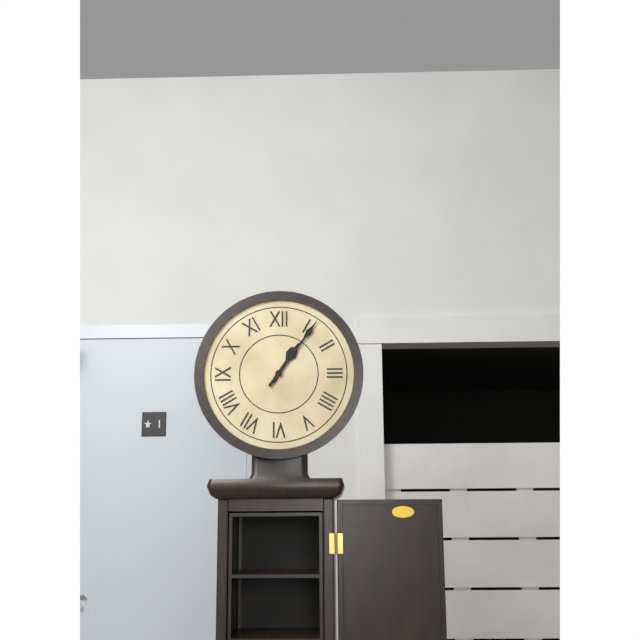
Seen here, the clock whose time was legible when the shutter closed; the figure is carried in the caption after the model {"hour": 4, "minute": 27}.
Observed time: {"hour": 1, "minute": 6}
